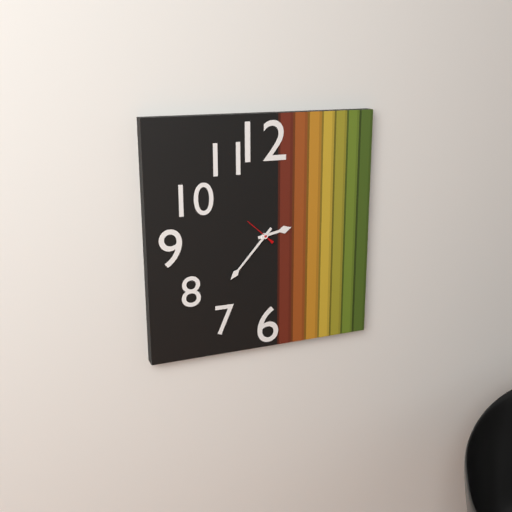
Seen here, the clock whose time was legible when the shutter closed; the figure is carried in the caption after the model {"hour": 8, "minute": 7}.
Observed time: {"hour": 2, "minute": 37}
